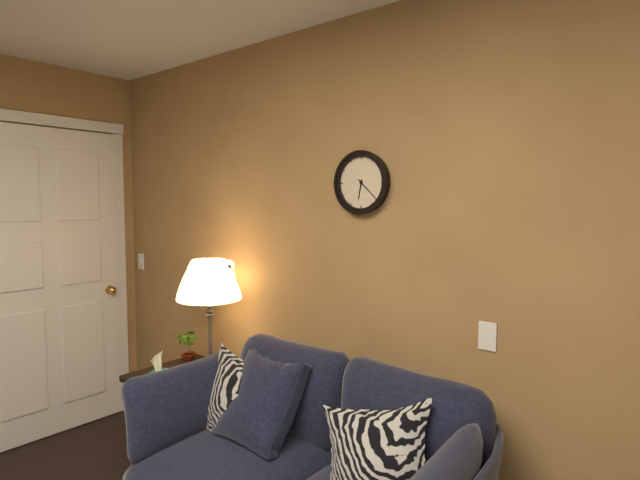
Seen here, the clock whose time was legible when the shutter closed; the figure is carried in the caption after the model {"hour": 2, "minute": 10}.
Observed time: {"hour": 6, "minute": 22}
